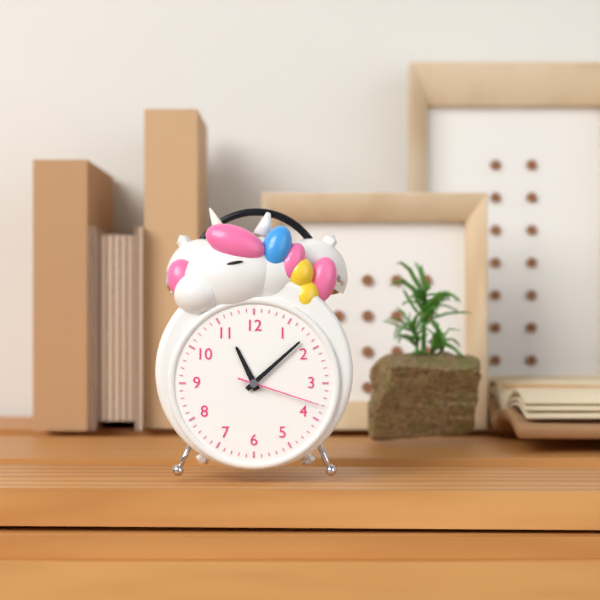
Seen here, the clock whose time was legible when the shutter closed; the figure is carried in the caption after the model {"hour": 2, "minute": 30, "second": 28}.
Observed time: {"hour": 11, "minute": 8, "second": 18}
